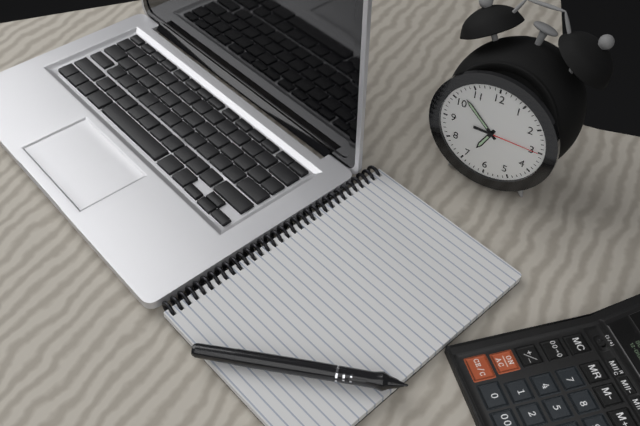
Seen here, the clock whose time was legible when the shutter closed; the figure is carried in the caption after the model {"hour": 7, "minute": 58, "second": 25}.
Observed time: {"hour": 6, "minute": 52, "second": 15}
